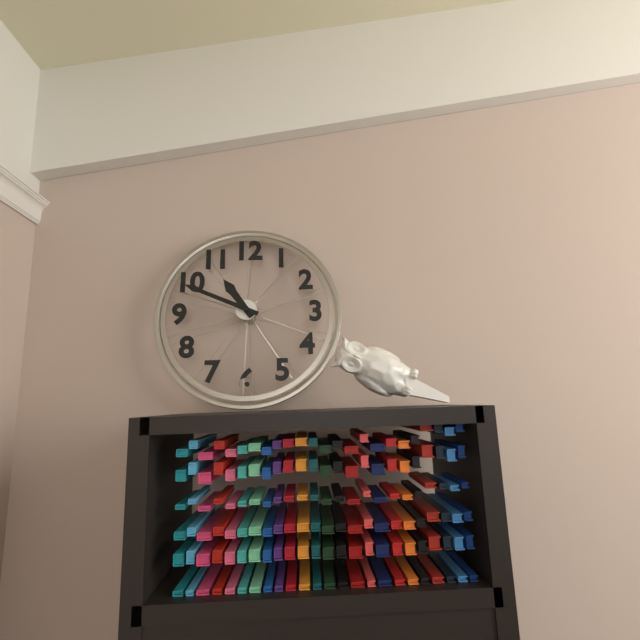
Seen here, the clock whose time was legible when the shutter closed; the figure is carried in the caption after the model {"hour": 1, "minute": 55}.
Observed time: {"hour": 10, "minute": 49}
